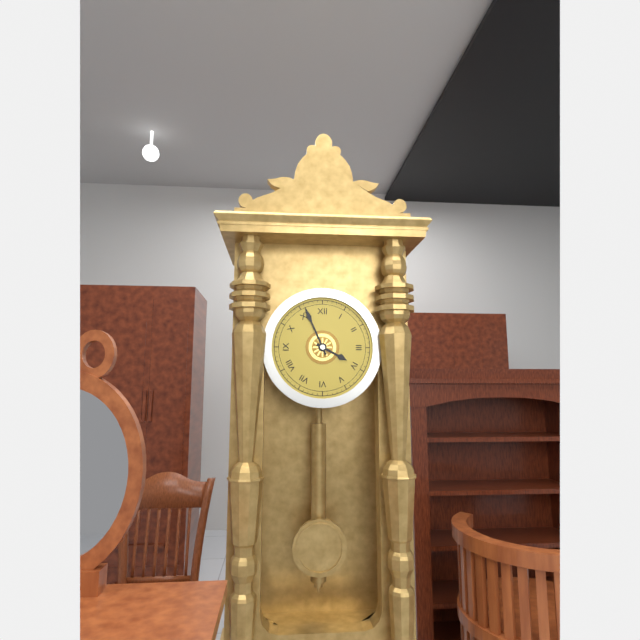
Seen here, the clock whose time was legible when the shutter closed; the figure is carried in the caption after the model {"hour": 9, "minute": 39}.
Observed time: {"hour": 3, "minute": 56}
